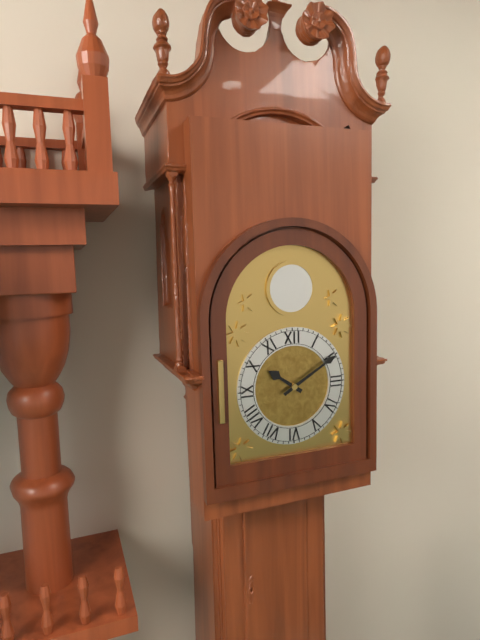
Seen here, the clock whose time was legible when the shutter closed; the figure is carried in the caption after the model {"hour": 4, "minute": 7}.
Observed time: {"hour": 10, "minute": 10}
